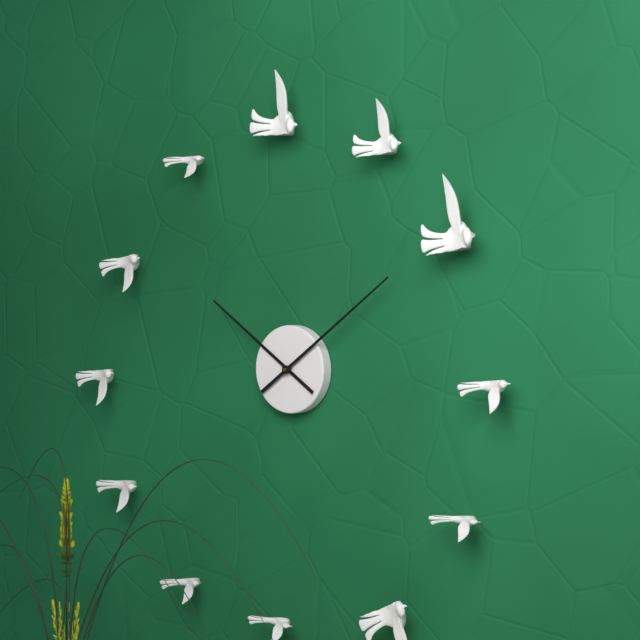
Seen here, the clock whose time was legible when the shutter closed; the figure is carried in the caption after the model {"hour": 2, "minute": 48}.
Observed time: {"hour": 10, "minute": 9}
